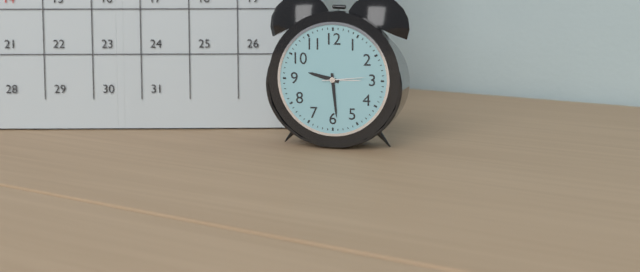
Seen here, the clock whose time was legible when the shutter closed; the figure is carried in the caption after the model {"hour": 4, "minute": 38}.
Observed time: {"hour": 9, "minute": 29}
